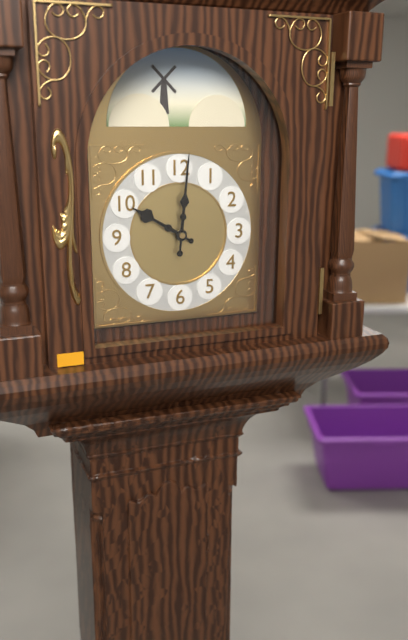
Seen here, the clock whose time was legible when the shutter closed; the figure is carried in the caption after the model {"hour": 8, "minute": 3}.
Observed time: {"hour": 10, "minute": 1}
